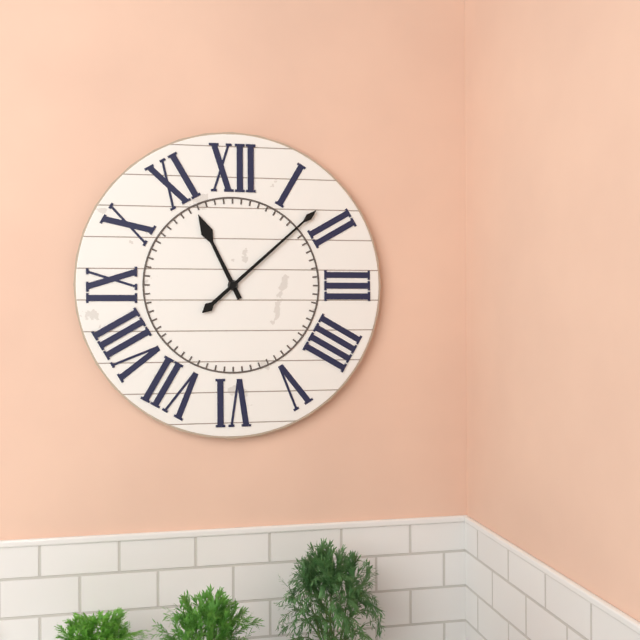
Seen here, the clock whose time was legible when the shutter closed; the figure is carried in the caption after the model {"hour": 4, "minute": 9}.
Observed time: {"hour": 11, "minute": 8}
